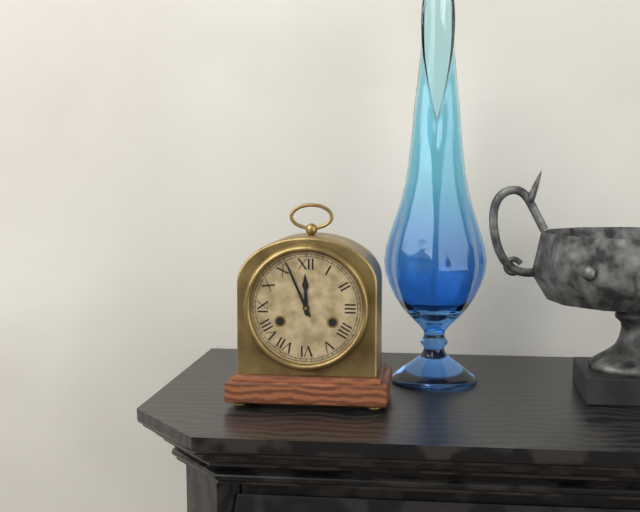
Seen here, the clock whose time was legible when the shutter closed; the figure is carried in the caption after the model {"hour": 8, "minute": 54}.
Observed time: {"hour": 11, "minute": 56}
